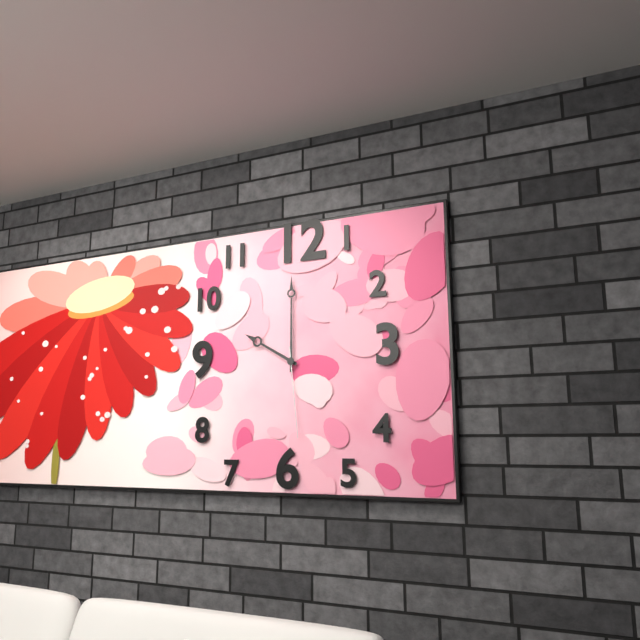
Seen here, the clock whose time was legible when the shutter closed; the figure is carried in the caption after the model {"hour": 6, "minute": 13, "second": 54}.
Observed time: {"hour": 10, "minute": 0, "second": 29}
